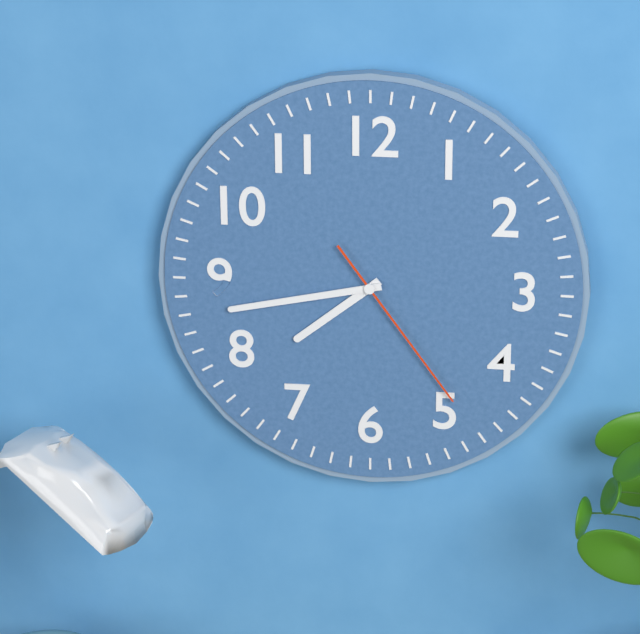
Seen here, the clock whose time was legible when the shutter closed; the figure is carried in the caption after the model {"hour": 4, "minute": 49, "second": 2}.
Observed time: {"hour": 7, "minute": 43, "second": 24}
